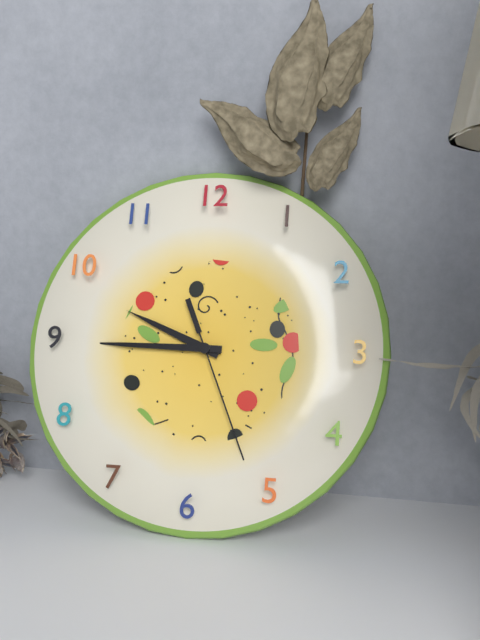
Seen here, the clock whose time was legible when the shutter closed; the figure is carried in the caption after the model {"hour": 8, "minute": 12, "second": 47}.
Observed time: {"hour": 9, "minute": 45, "second": 26}
